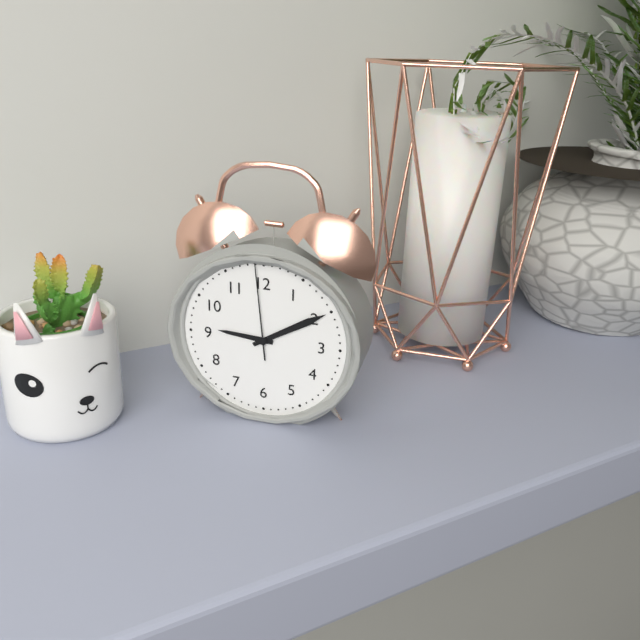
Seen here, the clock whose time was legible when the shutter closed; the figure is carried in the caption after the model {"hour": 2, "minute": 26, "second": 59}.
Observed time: {"hour": 9, "minute": 10, "second": 59}
